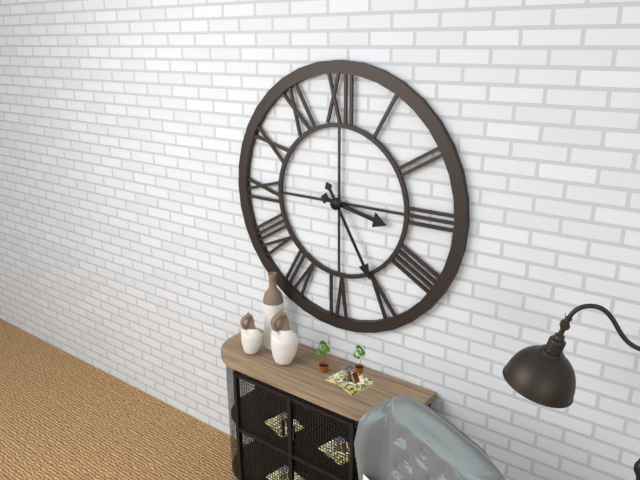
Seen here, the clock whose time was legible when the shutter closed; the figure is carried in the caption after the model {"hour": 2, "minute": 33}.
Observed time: {"hour": 3, "minute": 25}
